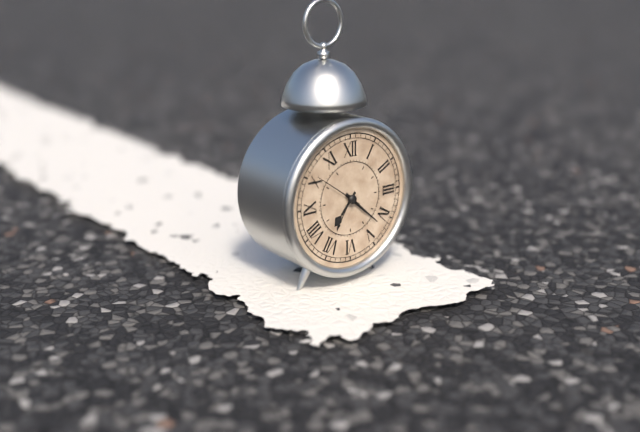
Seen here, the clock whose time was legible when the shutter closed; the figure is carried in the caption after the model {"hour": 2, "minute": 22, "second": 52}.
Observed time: {"hour": 7, "minute": 22, "second": 51}
